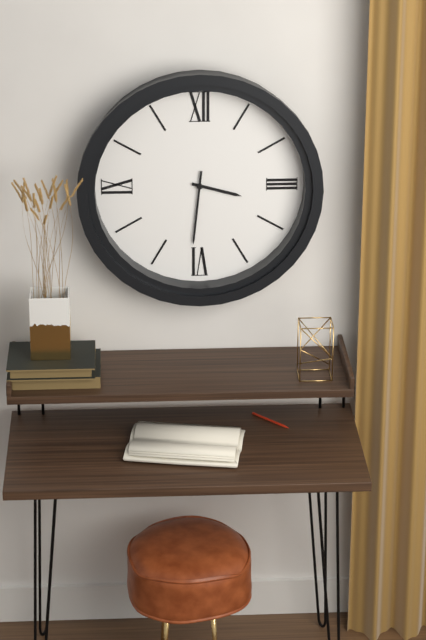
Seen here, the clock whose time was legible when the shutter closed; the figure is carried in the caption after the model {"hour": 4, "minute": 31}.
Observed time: {"hour": 3, "minute": 31}
